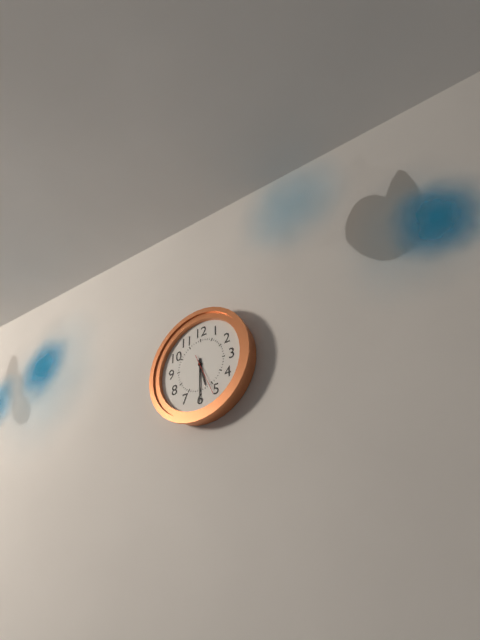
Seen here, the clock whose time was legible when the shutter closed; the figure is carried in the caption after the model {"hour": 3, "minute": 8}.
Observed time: {"hour": 5, "minute": 30}
